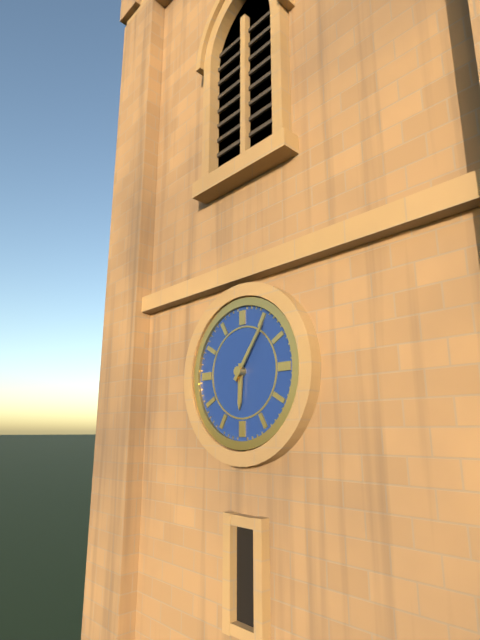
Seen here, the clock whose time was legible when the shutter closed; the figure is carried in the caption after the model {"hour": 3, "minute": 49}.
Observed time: {"hour": 6, "minute": 6}
